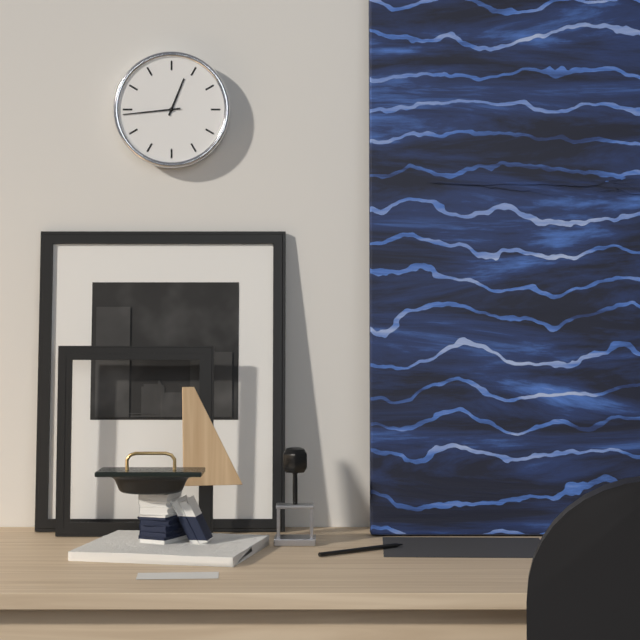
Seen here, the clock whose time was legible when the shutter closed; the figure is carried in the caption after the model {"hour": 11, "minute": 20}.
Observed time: {"hour": 12, "minute": 44}
